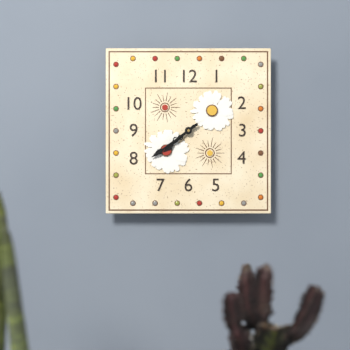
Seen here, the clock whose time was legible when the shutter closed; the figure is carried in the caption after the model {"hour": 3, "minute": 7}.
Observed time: {"hour": 7, "minute": 39}
